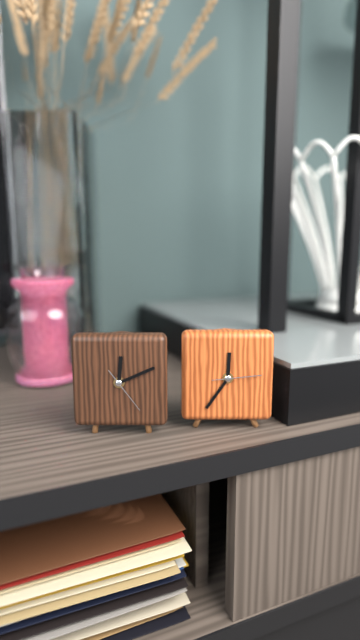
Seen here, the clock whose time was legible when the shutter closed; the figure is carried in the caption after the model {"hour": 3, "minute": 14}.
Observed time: {"hour": 12, "minute": 11}
